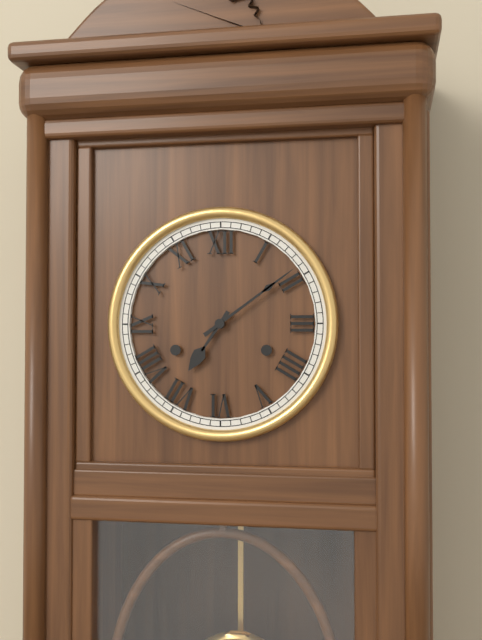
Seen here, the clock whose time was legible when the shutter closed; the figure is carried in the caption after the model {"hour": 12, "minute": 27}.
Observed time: {"hour": 7, "minute": 9}
